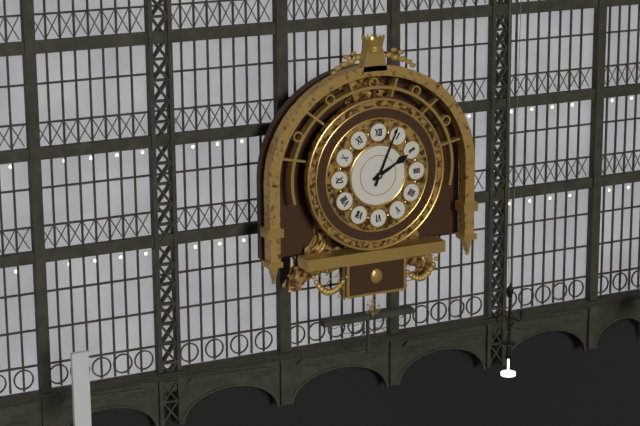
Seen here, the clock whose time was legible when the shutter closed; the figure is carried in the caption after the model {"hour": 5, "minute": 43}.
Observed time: {"hour": 2, "minute": 4}
